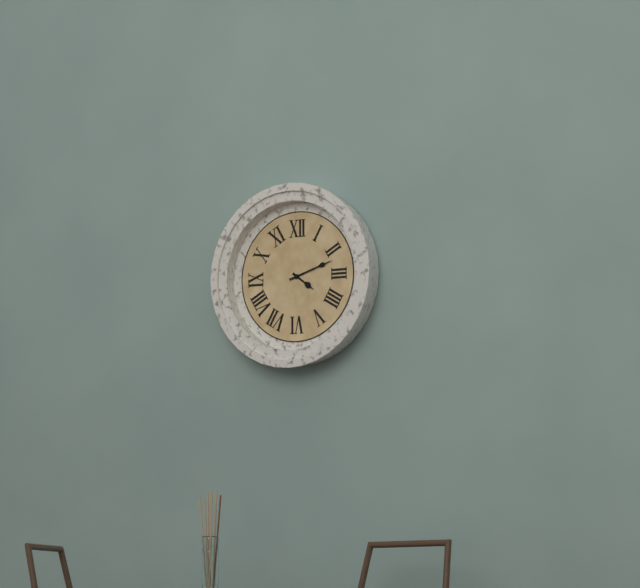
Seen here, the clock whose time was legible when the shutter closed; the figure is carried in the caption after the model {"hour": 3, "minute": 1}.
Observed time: {"hour": 4, "minute": 12}
